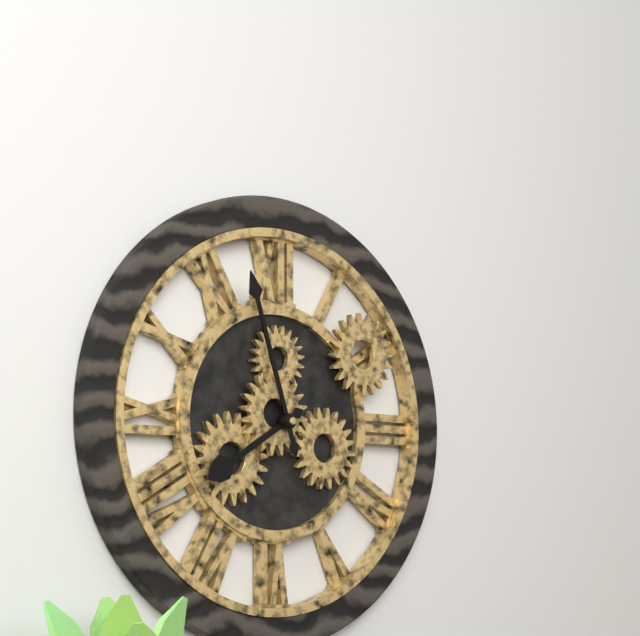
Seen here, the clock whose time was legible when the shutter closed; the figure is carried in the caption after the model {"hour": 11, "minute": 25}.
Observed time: {"hour": 7, "minute": 57}
